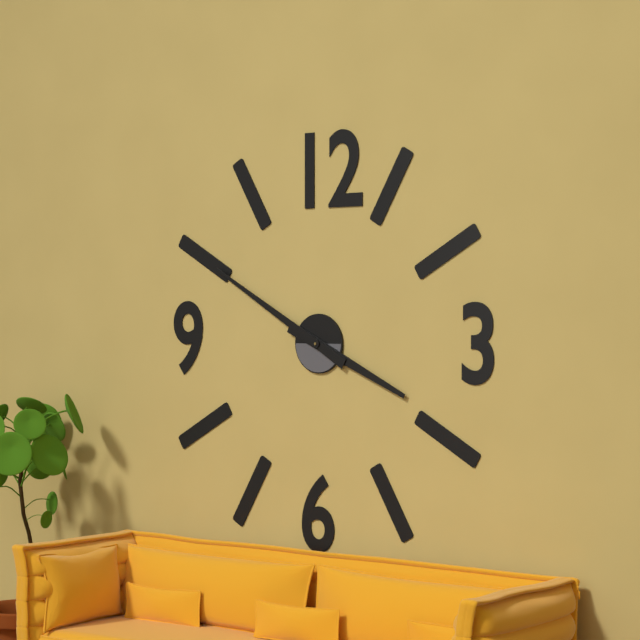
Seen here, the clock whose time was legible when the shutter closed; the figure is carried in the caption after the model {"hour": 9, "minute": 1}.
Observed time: {"hour": 3, "minute": 50}
